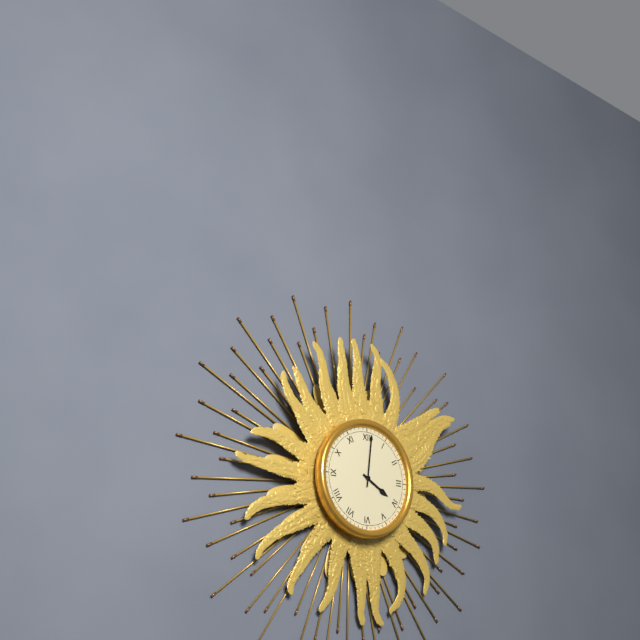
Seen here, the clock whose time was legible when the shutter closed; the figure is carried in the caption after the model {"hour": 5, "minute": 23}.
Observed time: {"hour": 4, "minute": 1}
